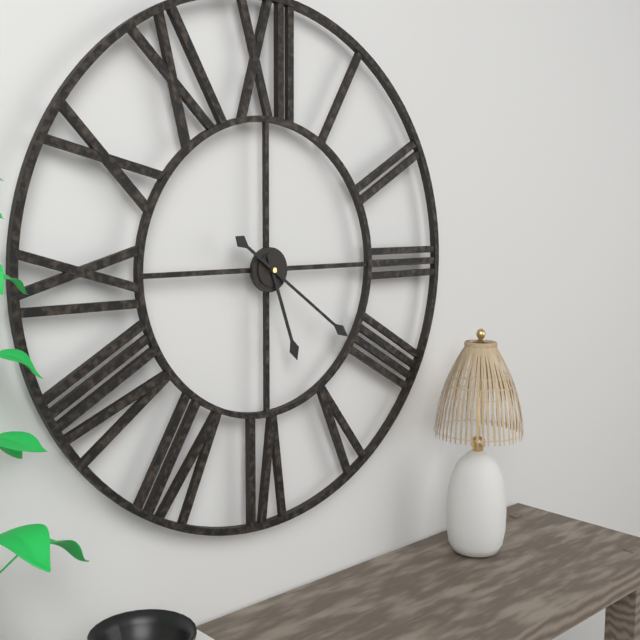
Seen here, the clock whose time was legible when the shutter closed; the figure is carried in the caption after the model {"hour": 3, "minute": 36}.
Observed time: {"hour": 5, "minute": 21}
